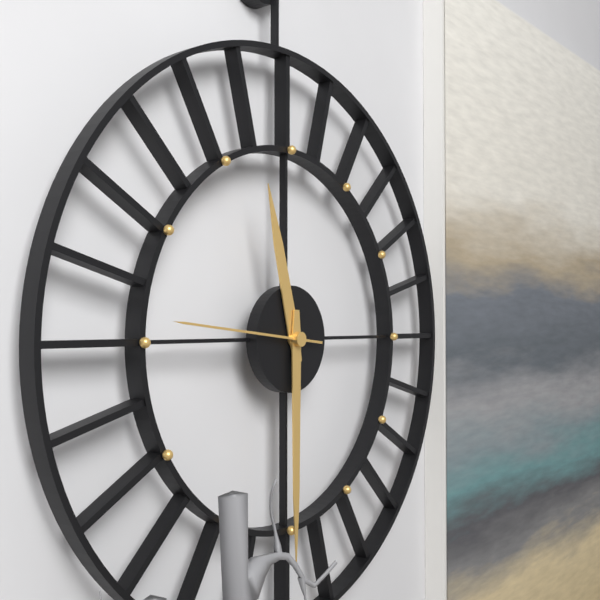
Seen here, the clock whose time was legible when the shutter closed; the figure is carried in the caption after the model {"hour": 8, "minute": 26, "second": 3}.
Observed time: {"hour": 11, "minute": 30, "second": 46}
